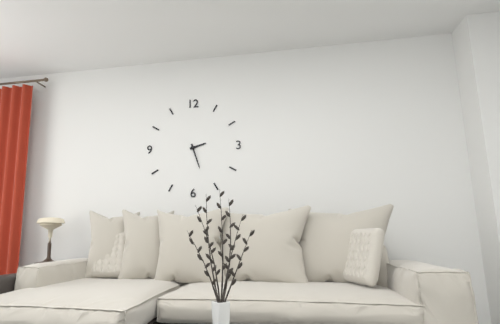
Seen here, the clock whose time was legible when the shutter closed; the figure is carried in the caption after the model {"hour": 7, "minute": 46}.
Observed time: {"hour": 2, "minute": 27}
